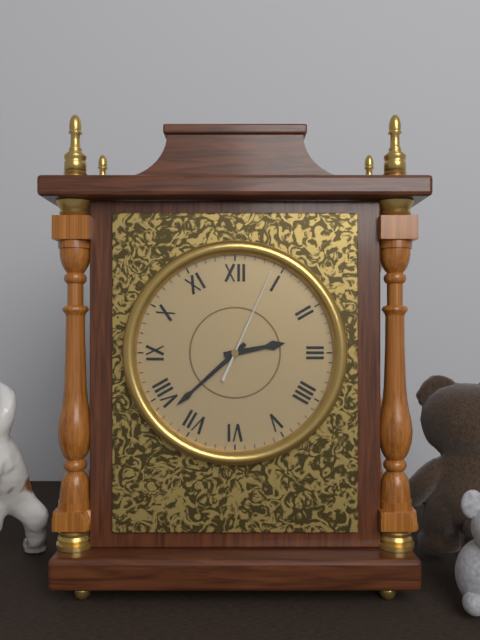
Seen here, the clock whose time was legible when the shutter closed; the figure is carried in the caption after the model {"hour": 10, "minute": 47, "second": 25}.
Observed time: {"hour": 2, "minute": 38, "second": 4}
